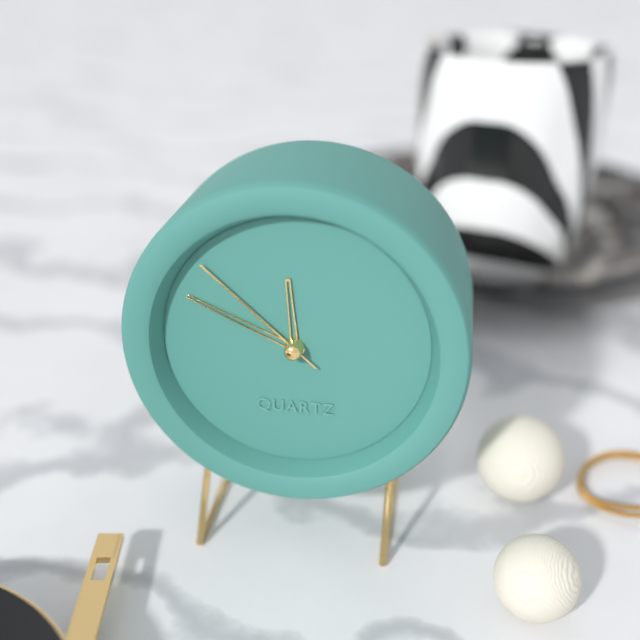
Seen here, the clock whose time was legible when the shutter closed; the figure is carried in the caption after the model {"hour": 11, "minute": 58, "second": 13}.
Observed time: {"hour": 11, "minute": 49, "second": 52}
